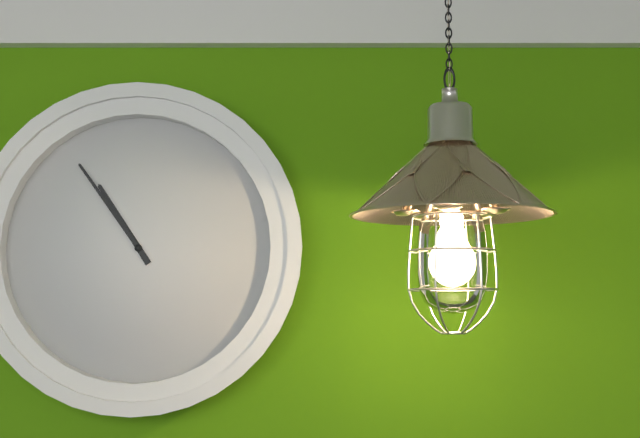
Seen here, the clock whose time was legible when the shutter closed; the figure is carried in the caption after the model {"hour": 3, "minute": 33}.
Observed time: {"hour": 10, "minute": 54}
